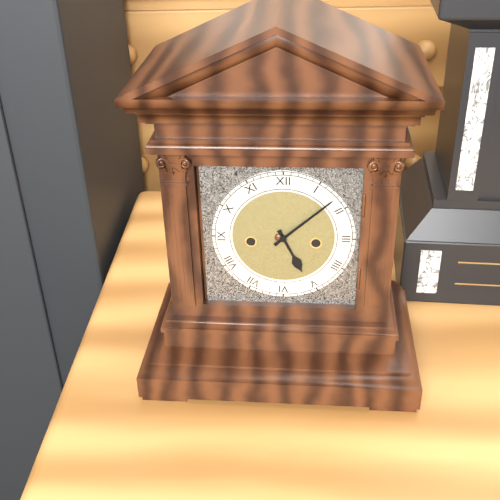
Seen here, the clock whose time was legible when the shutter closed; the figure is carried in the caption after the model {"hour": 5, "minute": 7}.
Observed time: {"hour": 5, "minute": 8}
